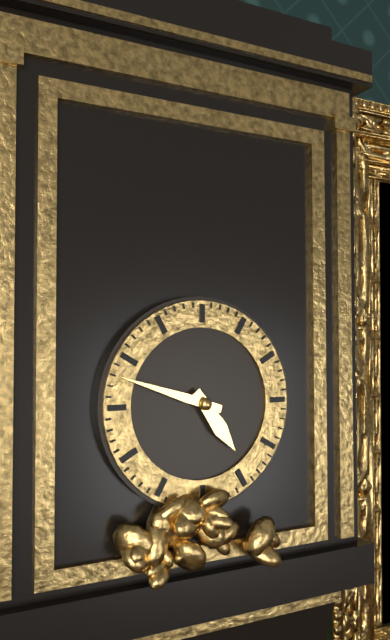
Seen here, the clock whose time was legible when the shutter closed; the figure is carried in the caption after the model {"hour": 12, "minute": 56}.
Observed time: {"hour": 4, "minute": 48}
